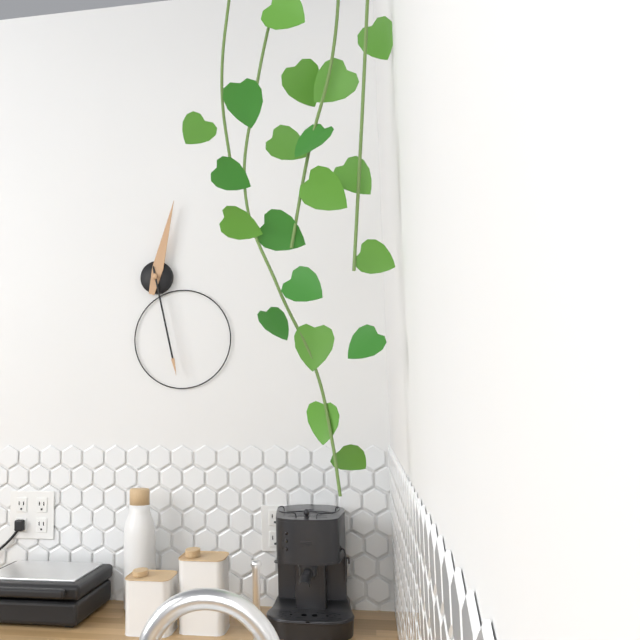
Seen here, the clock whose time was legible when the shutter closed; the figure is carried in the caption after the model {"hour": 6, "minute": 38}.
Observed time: {"hour": 12, "minute": 28}
